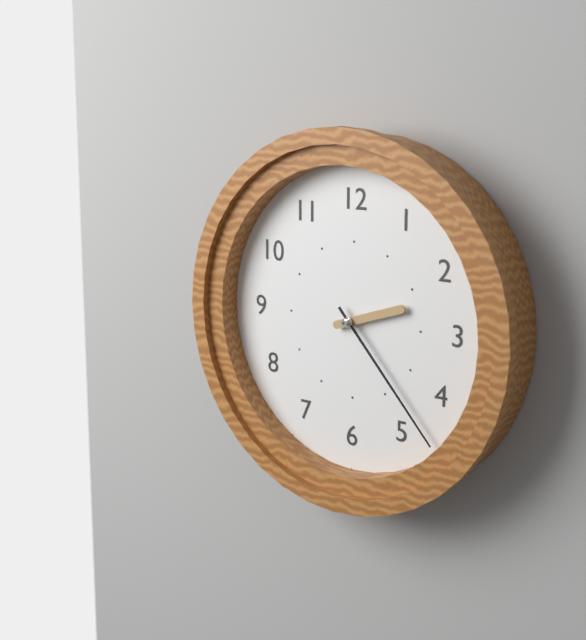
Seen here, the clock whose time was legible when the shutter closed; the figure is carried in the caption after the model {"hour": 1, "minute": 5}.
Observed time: {"hour": 2, "minute": 23}
